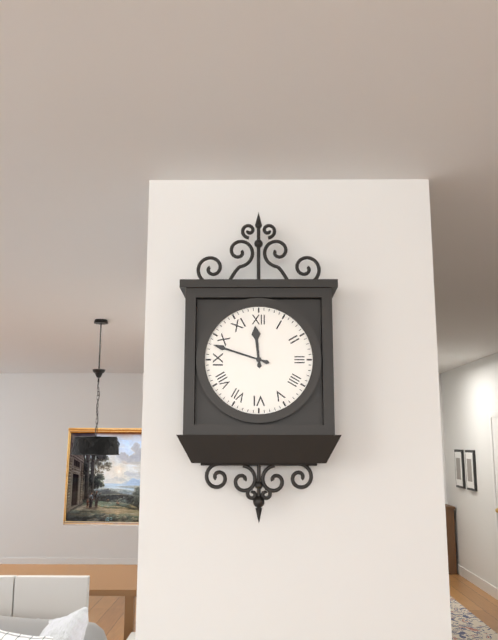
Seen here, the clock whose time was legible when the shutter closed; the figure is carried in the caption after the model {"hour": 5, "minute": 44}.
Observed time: {"hour": 11, "minute": 48}
